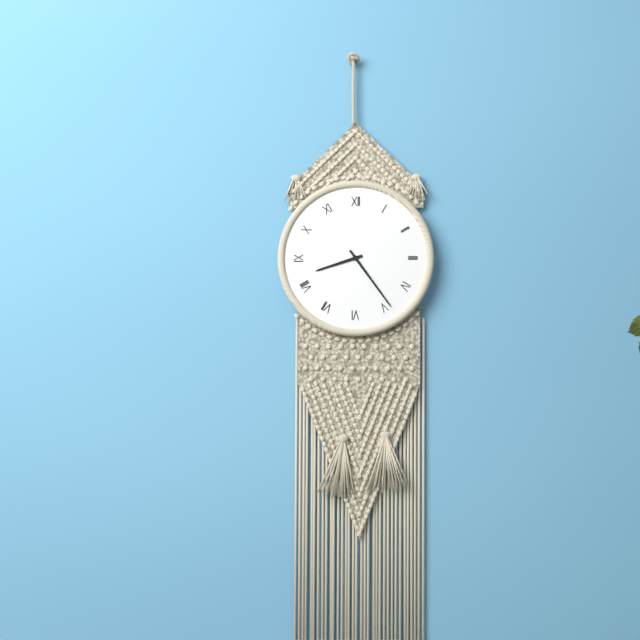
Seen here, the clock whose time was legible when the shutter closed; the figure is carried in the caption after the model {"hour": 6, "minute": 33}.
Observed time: {"hour": 8, "minute": 24}
